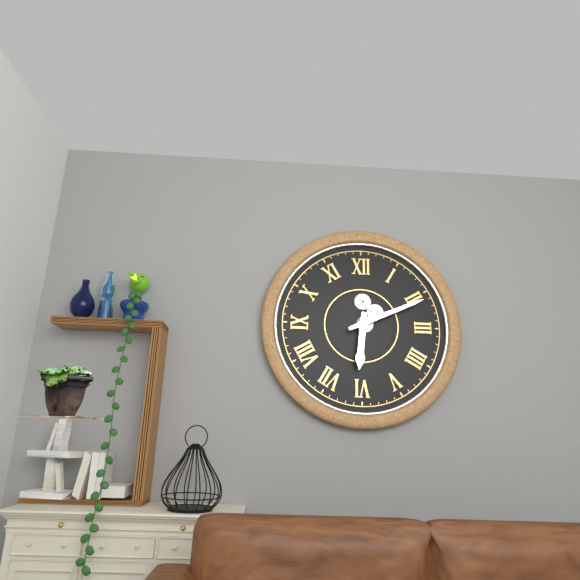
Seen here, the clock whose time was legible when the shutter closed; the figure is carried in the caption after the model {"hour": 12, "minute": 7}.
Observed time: {"hour": 6, "minute": 11}
